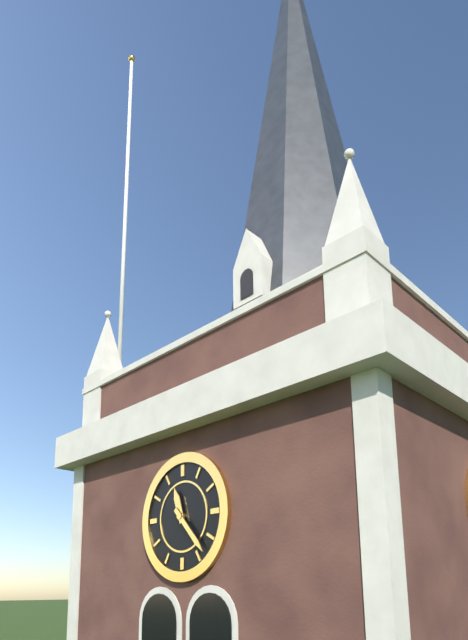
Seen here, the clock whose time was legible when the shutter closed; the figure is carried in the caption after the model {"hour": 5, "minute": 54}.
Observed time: {"hour": 11, "minute": 23}
